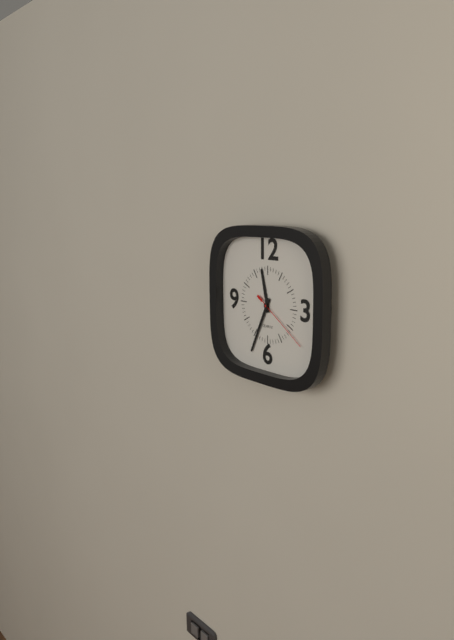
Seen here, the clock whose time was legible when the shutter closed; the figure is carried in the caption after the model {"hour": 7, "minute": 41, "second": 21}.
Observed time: {"hour": 11, "minute": 34, "second": 21}
